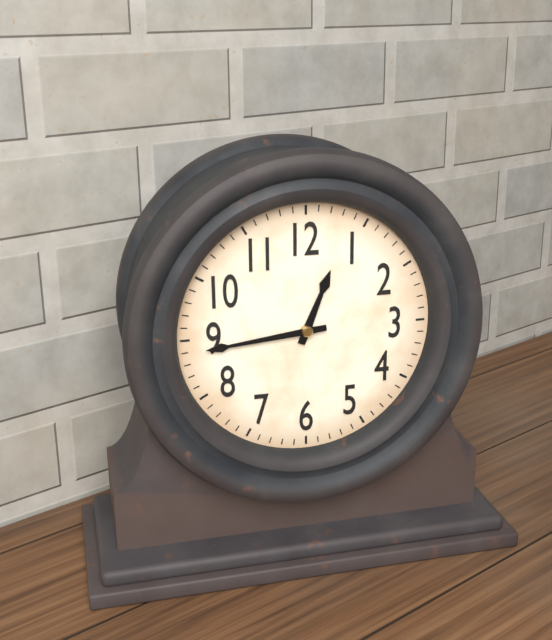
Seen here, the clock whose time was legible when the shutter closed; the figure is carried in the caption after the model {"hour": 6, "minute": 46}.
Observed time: {"hour": 12, "minute": 44}
